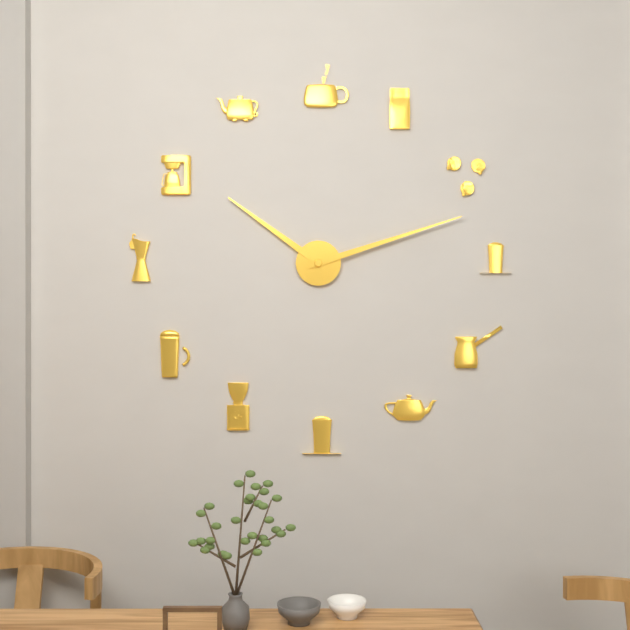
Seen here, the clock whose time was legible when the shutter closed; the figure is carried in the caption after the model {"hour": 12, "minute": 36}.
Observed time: {"hour": 10, "minute": 12}
